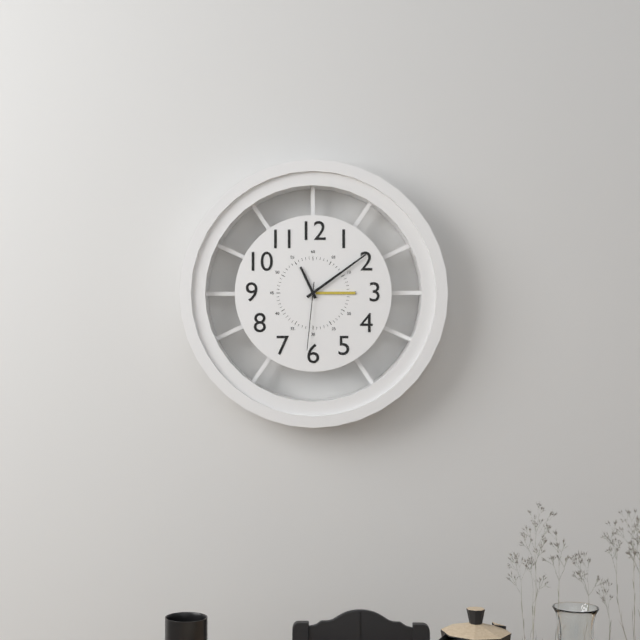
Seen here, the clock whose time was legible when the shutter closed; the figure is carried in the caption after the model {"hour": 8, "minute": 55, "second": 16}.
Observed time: {"hour": 11, "minute": 9, "second": 31}
